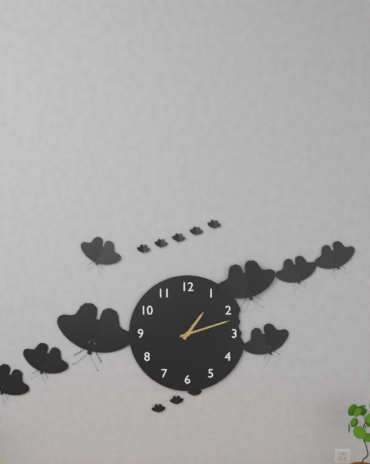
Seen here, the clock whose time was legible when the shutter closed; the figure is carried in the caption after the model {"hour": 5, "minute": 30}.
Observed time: {"hour": 1, "minute": 12}
